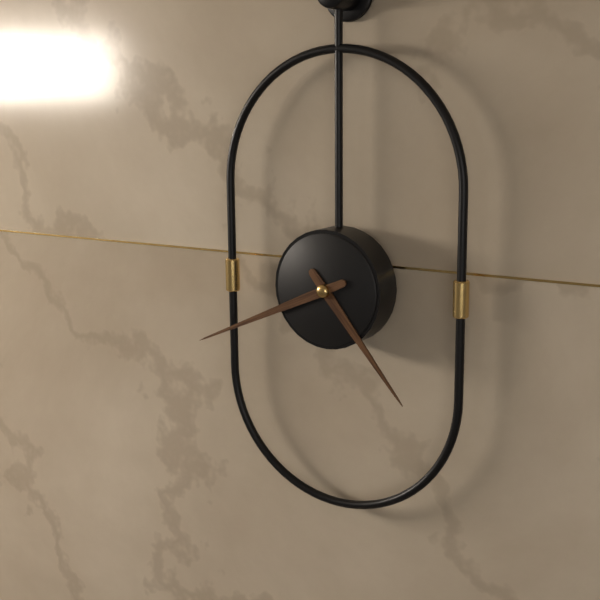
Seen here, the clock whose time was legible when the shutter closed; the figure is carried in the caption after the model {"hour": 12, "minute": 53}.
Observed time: {"hour": 4, "minute": 41}
